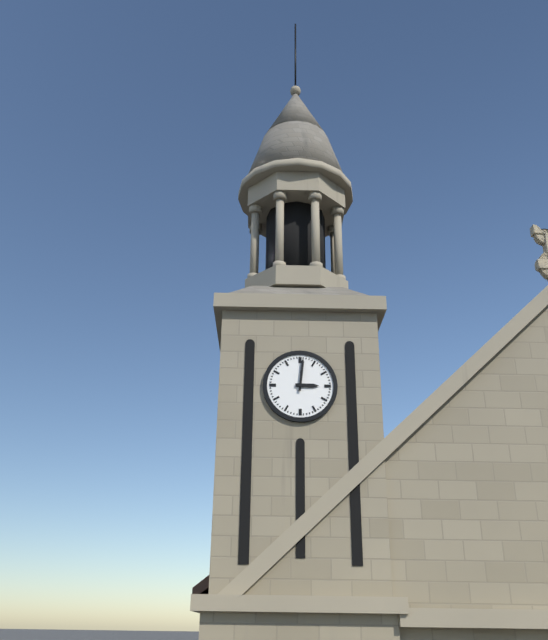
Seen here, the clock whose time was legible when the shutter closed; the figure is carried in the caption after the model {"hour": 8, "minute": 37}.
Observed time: {"hour": 3, "minute": 1}
